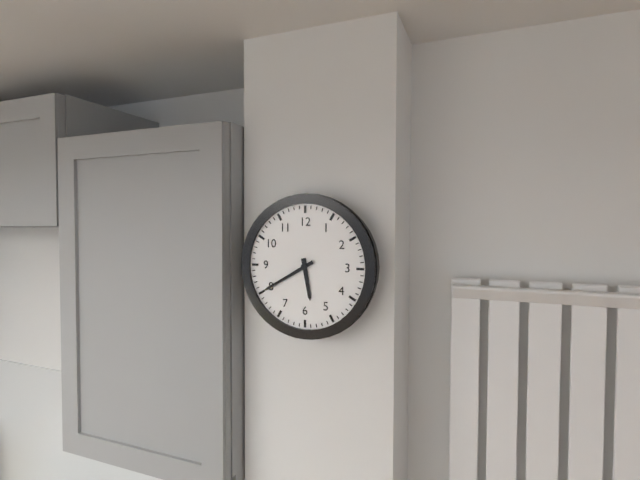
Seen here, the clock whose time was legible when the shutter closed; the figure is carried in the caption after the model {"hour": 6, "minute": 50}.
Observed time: {"hour": 5, "minute": 40}
